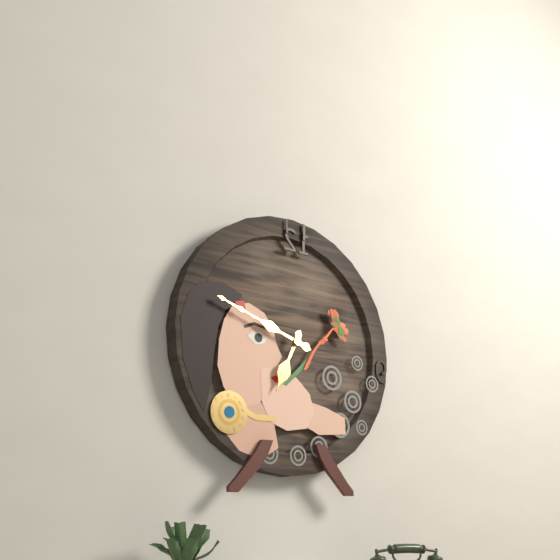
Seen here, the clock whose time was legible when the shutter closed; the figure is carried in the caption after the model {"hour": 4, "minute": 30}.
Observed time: {"hour": 6, "minute": 48}
